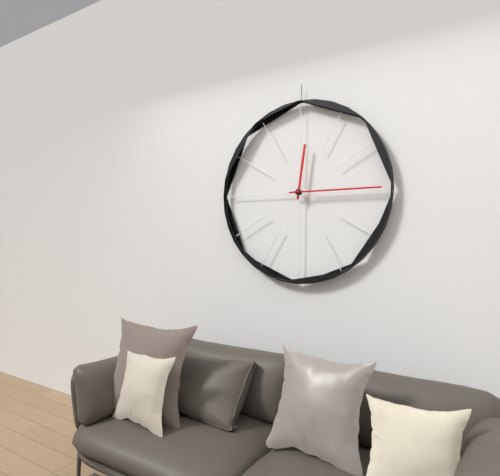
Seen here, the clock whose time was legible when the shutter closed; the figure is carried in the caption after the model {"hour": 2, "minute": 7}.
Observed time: {"hour": 12, "minute": 15}
